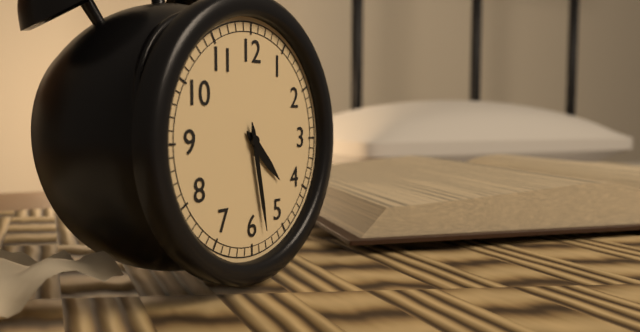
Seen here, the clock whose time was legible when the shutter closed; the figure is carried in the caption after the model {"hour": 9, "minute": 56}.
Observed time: {"hour": 4, "minute": 28}
